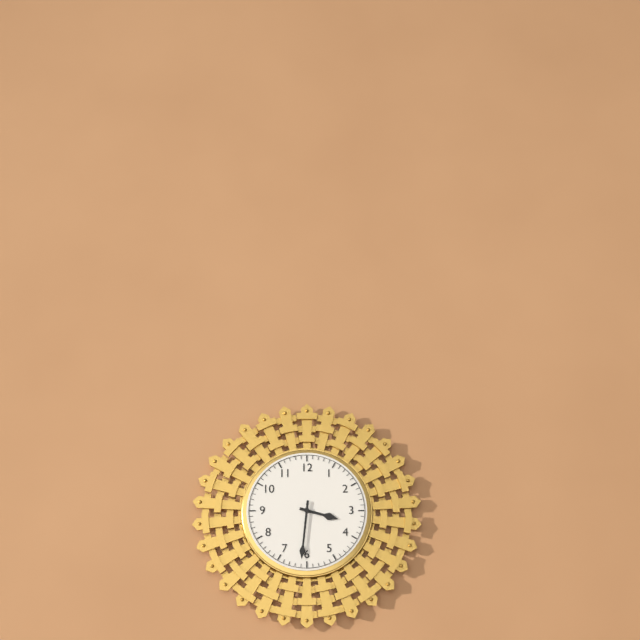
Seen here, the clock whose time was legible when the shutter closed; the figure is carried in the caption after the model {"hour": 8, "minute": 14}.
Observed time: {"hour": 3, "minute": 31}
